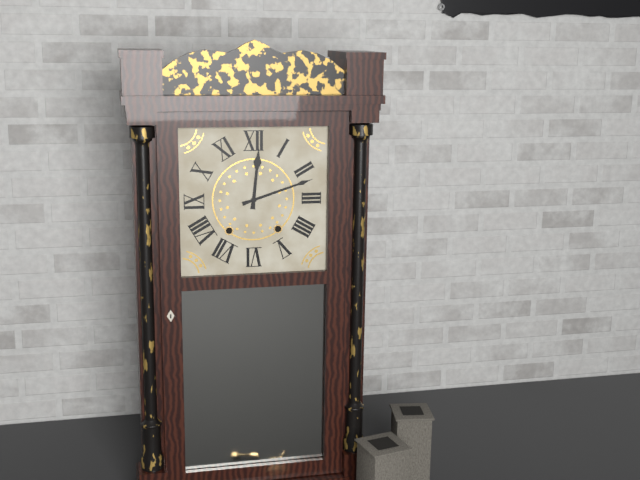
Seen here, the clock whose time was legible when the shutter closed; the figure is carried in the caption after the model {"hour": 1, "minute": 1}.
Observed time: {"hour": 12, "minute": 12}
